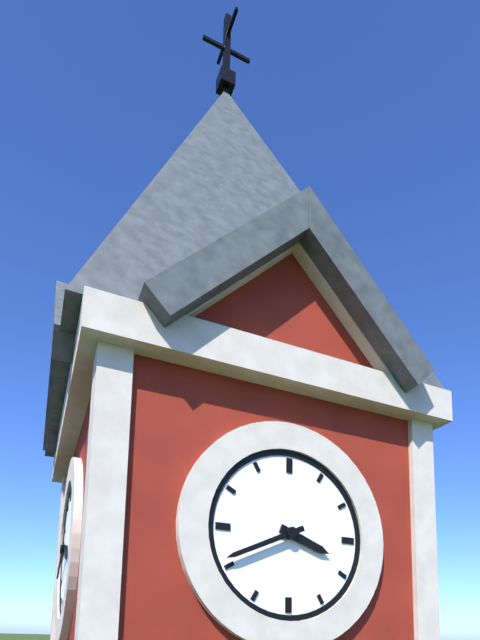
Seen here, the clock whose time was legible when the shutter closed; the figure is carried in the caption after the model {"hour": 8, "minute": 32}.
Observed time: {"hour": 3, "minute": 41}
